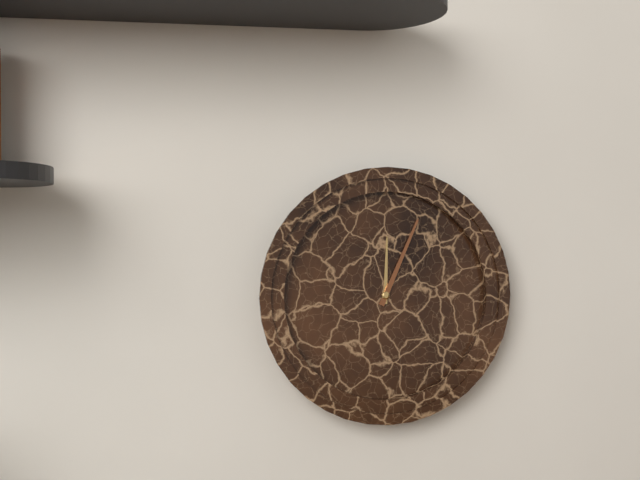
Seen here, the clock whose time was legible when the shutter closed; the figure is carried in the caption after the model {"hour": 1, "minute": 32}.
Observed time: {"hour": 12, "minute": 4}
